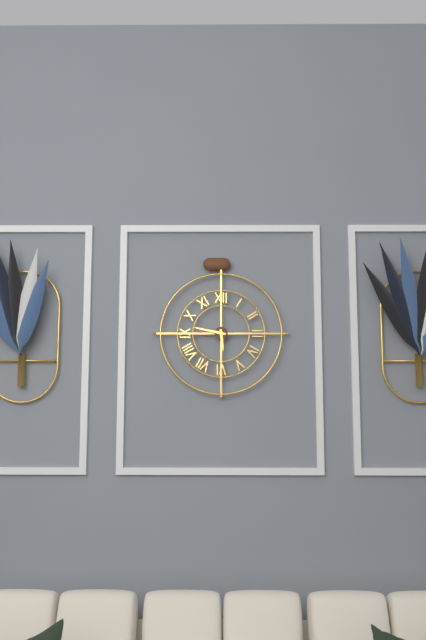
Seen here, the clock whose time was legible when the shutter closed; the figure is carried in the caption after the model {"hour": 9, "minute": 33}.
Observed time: {"hour": 5, "minute": 47}
